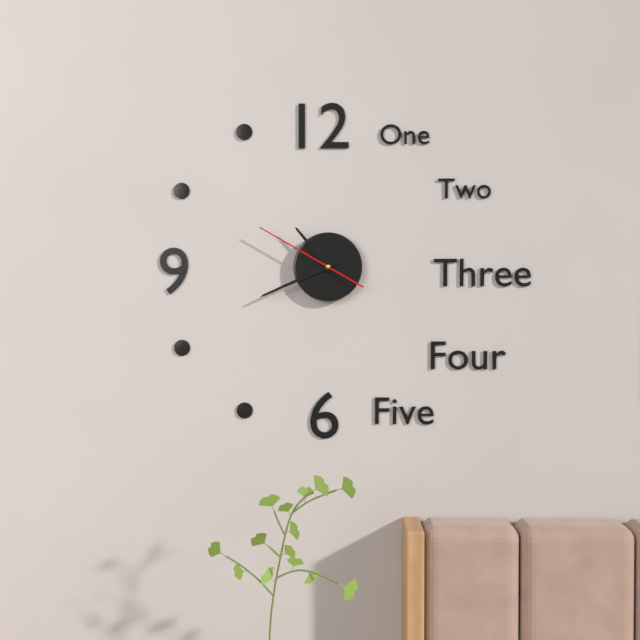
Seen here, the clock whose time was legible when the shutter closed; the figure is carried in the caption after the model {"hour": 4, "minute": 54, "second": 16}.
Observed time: {"hour": 10, "minute": 41, "second": 50}
